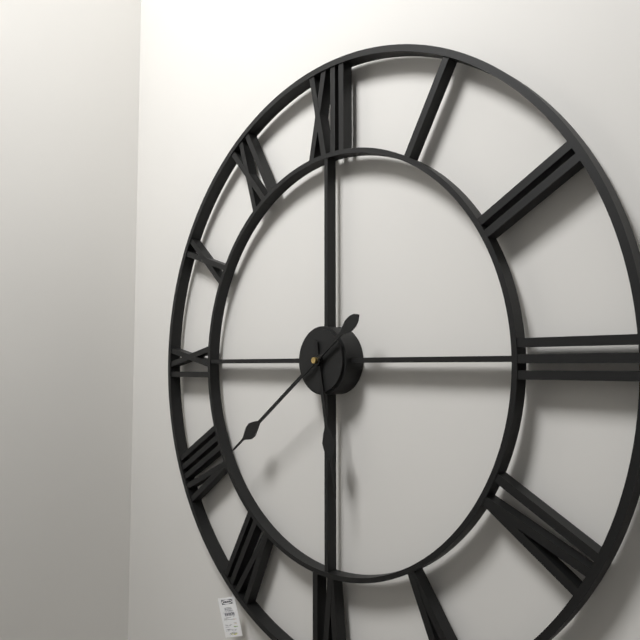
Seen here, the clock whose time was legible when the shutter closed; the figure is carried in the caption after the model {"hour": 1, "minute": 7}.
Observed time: {"hour": 5, "minute": 39}
